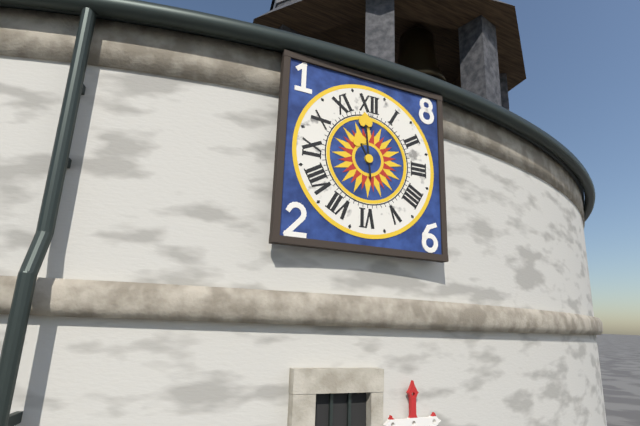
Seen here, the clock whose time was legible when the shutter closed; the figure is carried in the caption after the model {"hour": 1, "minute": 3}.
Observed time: {"hour": 10, "minute": 59}
